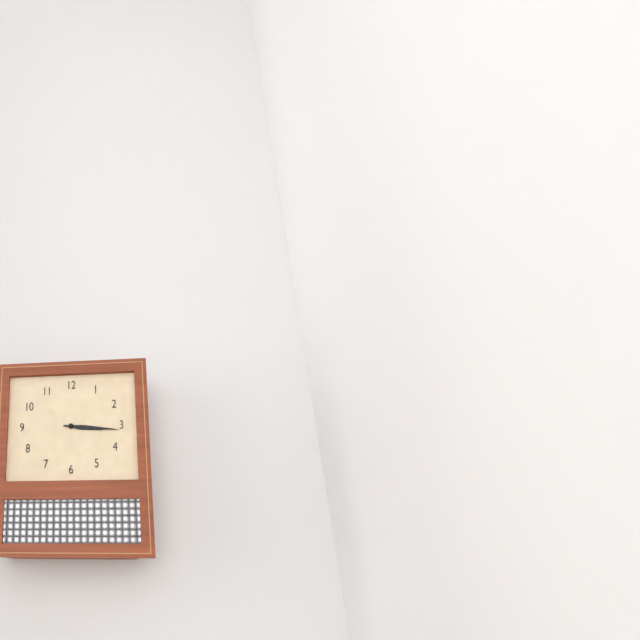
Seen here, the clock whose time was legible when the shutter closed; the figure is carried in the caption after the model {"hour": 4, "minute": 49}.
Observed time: {"hour": 3, "minute": 16}
